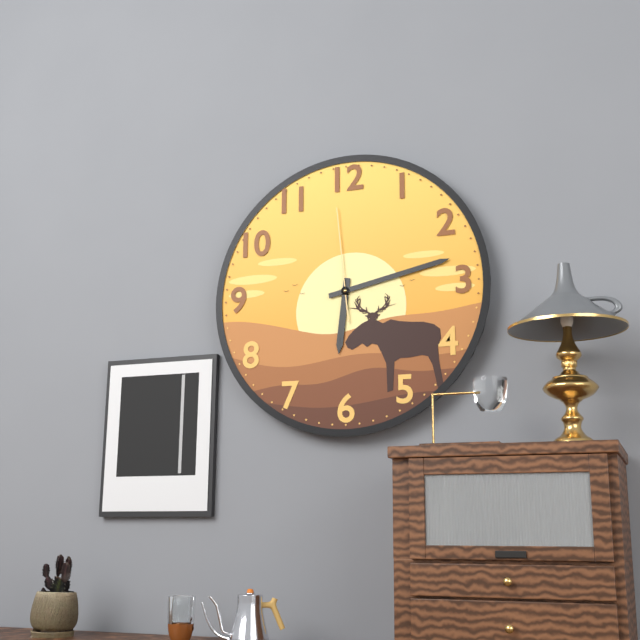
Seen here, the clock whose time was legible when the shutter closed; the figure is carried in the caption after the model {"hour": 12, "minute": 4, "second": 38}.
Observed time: {"hour": 6, "minute": 13, "second": 59}
